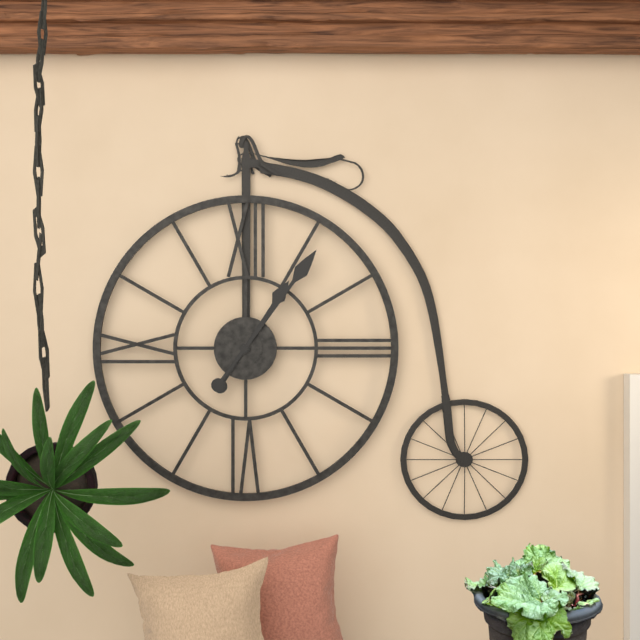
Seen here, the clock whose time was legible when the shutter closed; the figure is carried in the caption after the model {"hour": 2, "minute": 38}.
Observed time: {"hour": 1, "minute": 6}
